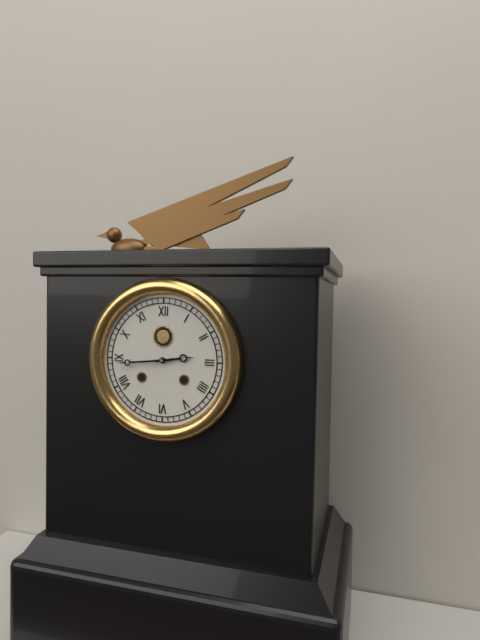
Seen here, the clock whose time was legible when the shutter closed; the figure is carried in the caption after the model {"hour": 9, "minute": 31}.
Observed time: {"hour": 2, "minute": 44}
